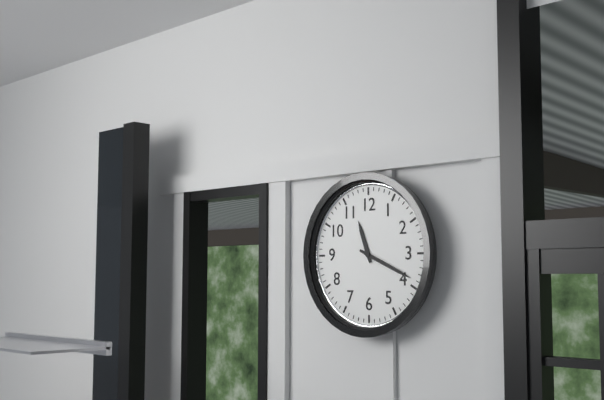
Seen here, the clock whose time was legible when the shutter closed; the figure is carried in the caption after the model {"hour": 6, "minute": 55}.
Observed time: {"hour": 11, "minute": 19}
